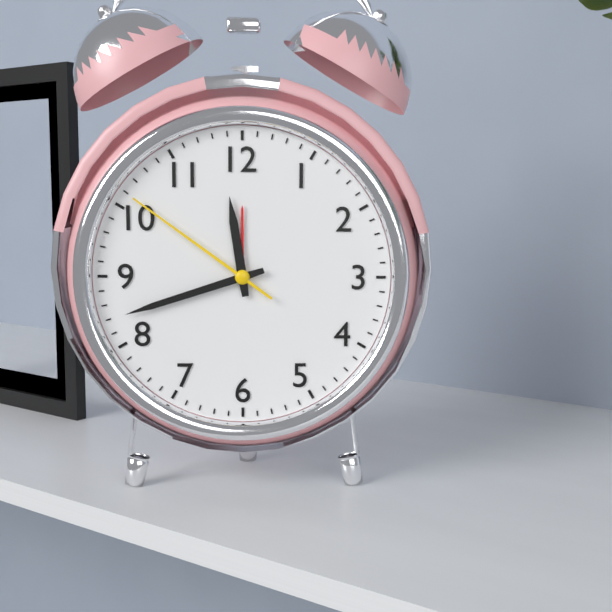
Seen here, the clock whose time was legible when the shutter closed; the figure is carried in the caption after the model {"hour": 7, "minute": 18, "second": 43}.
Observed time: {"hour": 11, "minute": 42, "second": 51}
